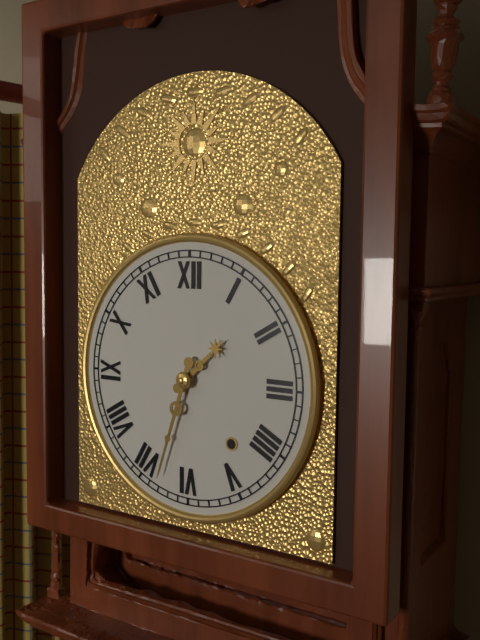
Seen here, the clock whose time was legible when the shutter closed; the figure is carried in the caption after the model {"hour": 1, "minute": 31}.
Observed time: {"hour": 1, "minute": 33}
